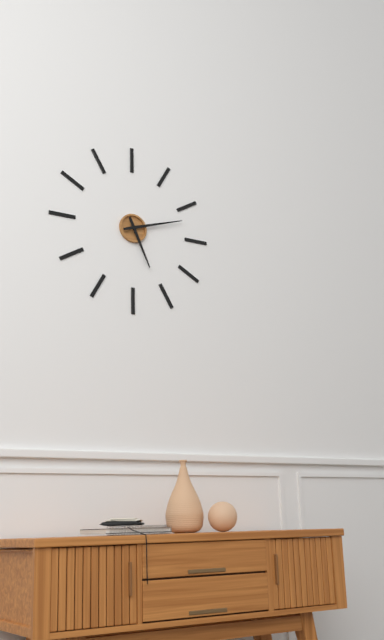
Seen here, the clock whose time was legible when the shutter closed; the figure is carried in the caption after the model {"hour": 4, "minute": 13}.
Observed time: {"hour": 5, "minute": 12}
